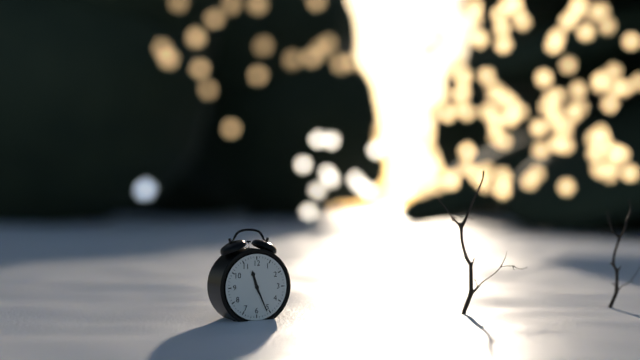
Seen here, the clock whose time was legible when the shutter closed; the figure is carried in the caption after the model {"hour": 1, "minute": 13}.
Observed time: {"hour": 11, "minute": 26}
